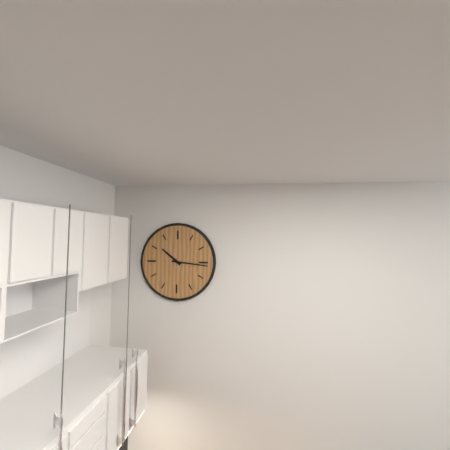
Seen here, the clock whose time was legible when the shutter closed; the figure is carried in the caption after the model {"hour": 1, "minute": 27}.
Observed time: {"hour": 10, "minute": 16}
